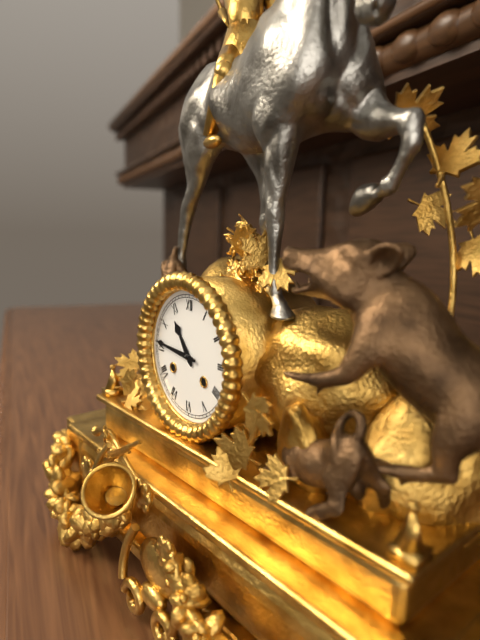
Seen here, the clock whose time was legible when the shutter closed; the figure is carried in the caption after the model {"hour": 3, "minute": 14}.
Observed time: {"hour": 10, "minute": 46}
